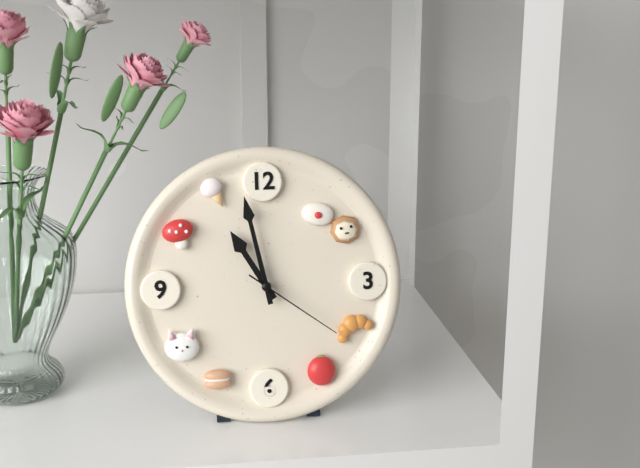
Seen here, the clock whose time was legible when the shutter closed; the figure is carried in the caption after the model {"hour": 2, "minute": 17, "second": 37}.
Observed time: {"hour": 10, "minute": 58, "second": 21}
